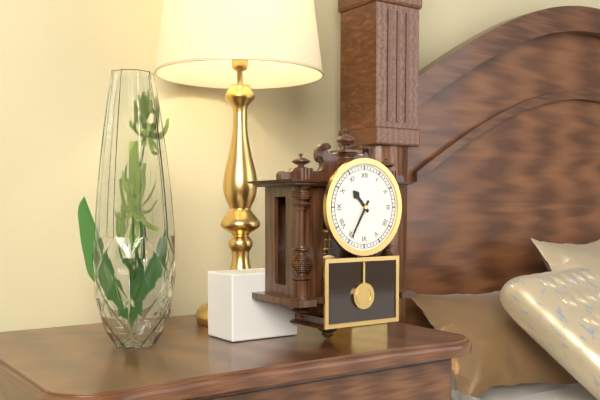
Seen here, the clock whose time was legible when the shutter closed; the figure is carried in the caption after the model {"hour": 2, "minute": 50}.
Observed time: {"hour": 10, "minute": 35}
